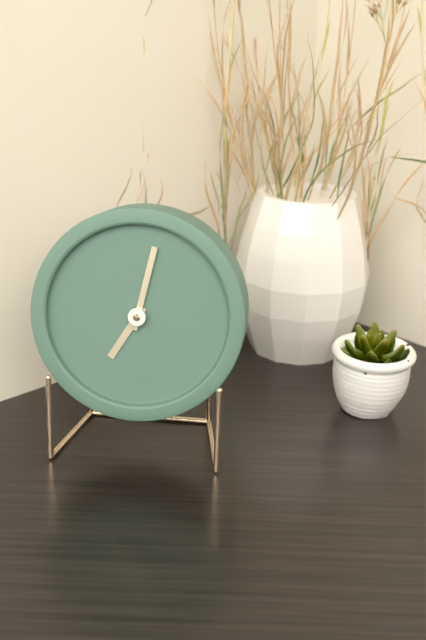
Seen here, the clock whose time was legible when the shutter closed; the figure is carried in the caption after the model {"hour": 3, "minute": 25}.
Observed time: {"hour": 7, "minute": 2}
